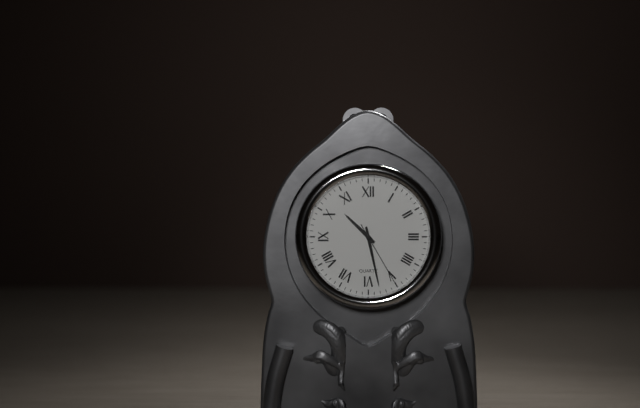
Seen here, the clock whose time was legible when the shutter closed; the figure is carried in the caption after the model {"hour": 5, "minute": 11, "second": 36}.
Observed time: {"hour": 10, "minute": 28, "second": 25}
